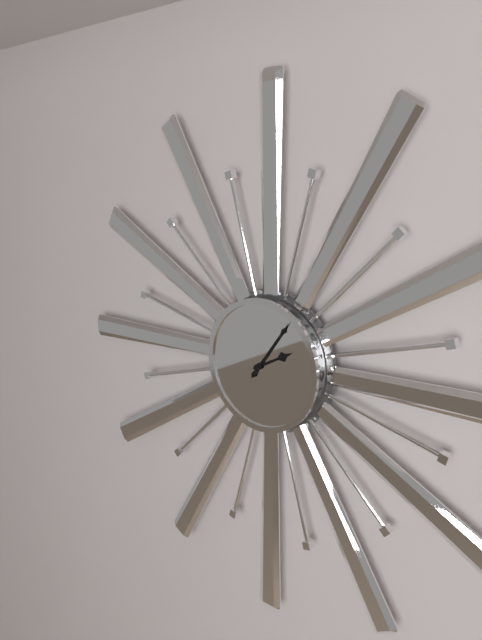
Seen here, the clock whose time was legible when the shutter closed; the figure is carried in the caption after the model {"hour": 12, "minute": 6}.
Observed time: {"hour": 2, "minute": 6}
